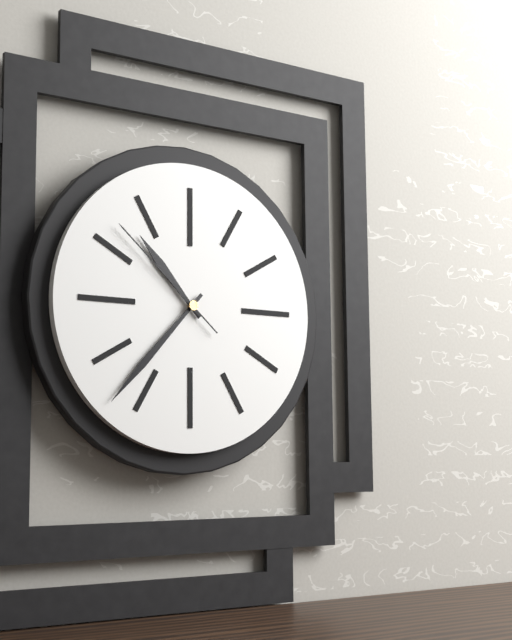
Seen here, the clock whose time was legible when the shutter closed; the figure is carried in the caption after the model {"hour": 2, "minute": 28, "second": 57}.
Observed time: {"hour": 10, "minute": 37, "second": 52}
